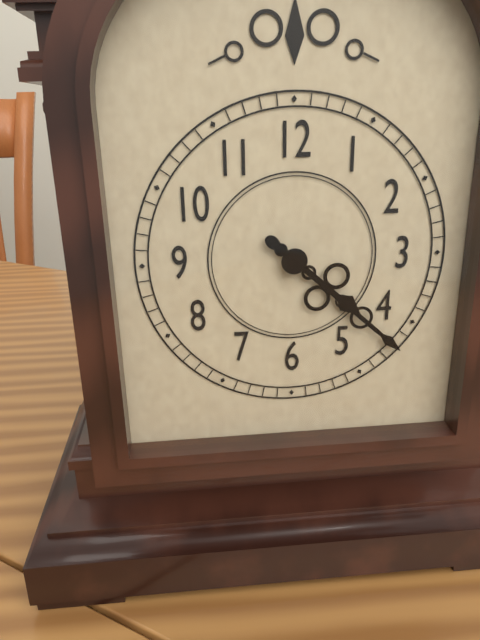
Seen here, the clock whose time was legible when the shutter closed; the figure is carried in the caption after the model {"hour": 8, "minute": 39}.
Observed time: {"hour": 4, "minute": 22}
